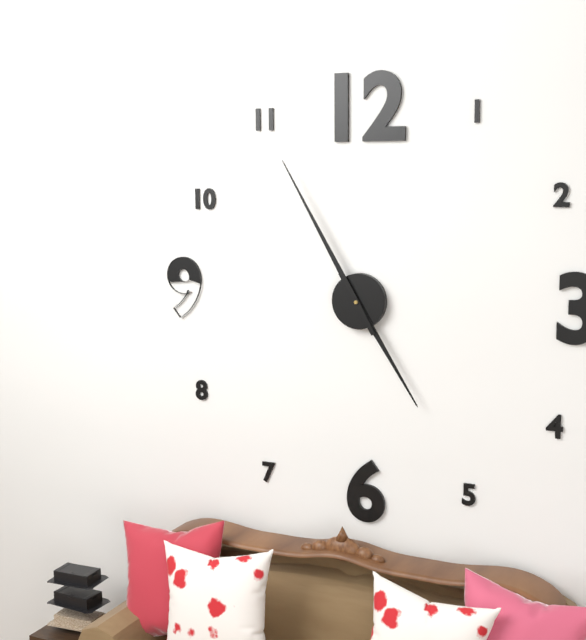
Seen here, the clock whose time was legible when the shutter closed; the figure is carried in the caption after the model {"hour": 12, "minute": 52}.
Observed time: {"hour": 4, "minute": 55}
